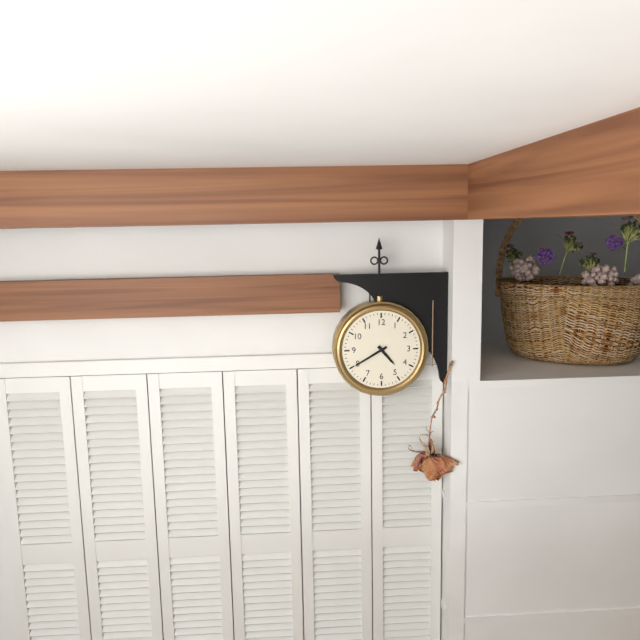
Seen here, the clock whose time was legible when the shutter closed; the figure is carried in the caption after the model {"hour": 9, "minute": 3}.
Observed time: {"hour": 4, "minute": 40}
